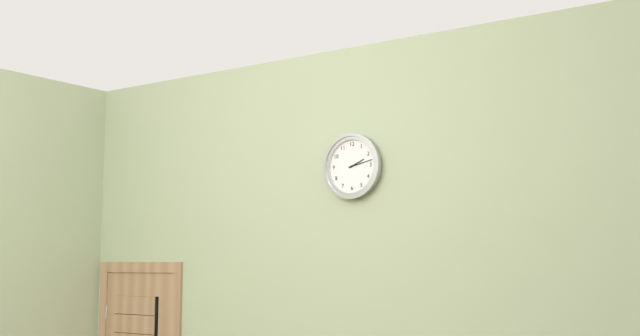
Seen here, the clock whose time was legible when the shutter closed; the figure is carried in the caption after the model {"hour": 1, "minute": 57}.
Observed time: {"hour": 2, "minute": 13}
